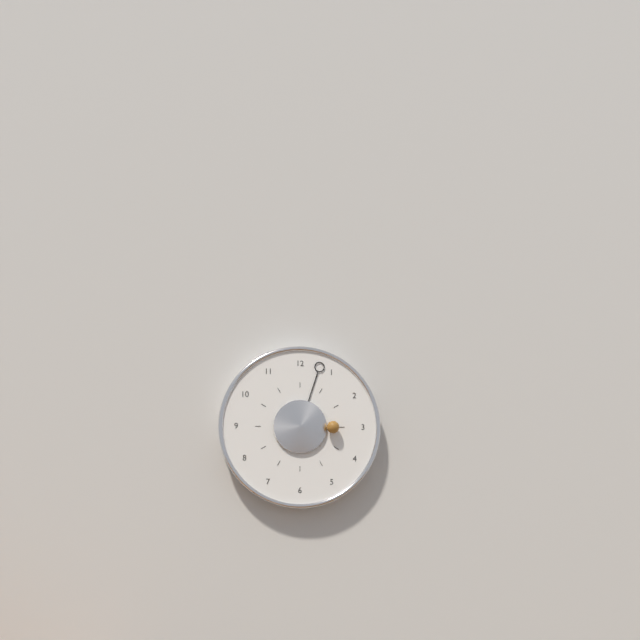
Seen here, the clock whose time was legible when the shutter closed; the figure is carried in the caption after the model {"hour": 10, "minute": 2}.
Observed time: {"hour": 3, "minute": 3}
